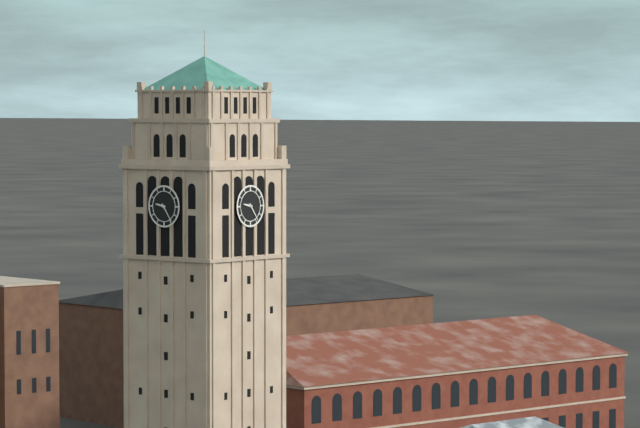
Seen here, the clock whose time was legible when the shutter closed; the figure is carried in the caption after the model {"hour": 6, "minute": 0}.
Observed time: {"hour": 9, "minute": 24}
